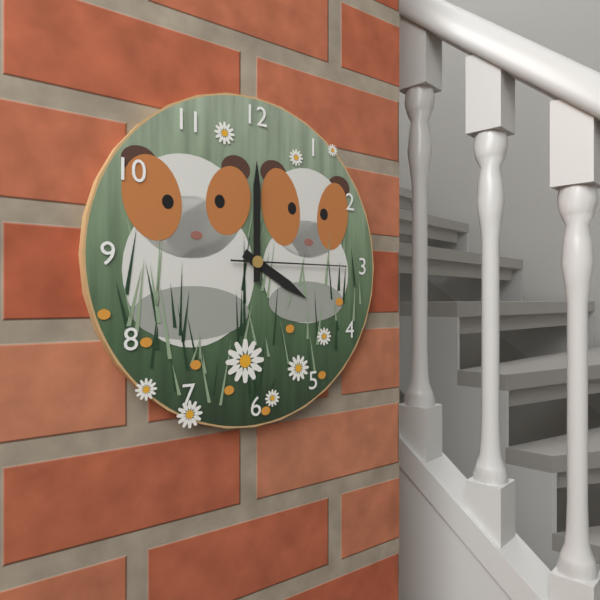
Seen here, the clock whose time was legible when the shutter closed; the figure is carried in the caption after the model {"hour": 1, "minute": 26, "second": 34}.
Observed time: {"hour": 4, "minute": 0, "second": 15}
